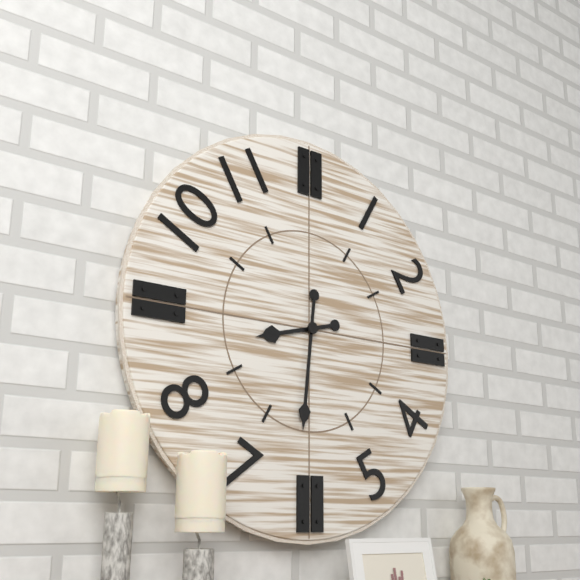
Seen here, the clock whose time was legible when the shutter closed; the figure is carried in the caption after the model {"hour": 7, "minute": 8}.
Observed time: {"hour": 8, "minute": 31}
